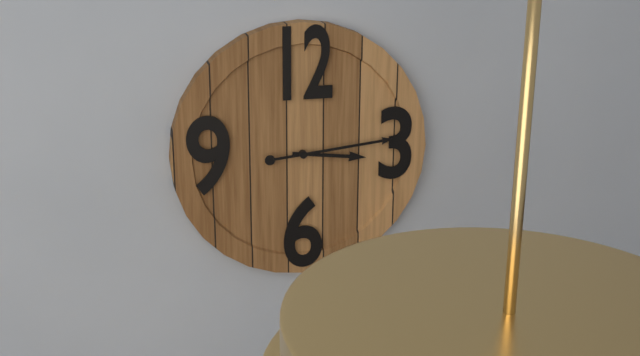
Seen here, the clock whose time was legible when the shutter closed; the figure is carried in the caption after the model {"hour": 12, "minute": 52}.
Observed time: {"hour": 3, "minute": 14}
